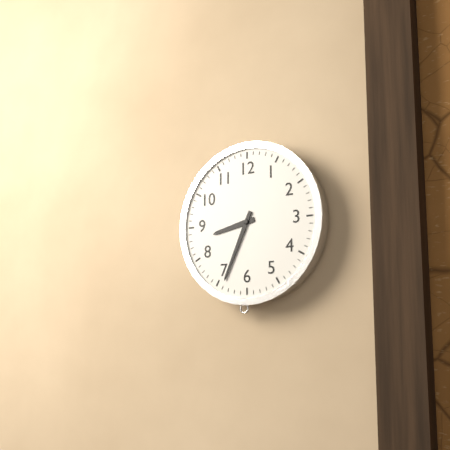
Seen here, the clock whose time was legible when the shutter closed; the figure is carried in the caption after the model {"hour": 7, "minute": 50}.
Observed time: {"hour": 8, "minute": 34}
